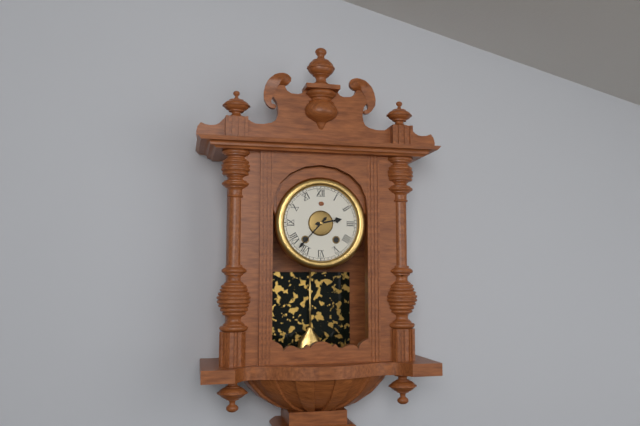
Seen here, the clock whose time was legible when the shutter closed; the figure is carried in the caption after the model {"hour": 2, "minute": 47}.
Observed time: {"hour": 2, "minute": 37}
